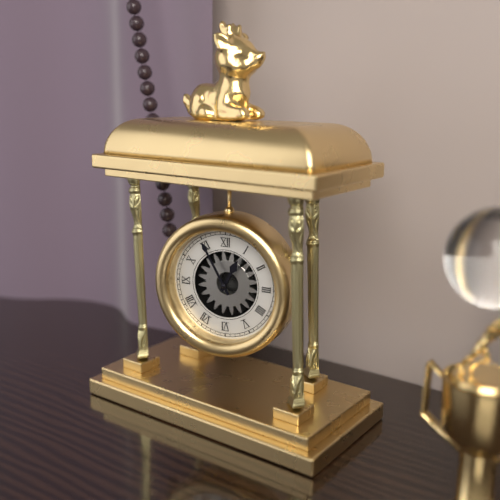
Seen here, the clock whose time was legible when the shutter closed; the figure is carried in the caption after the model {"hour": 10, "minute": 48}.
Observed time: {"hour": 12, "minute": 55}
